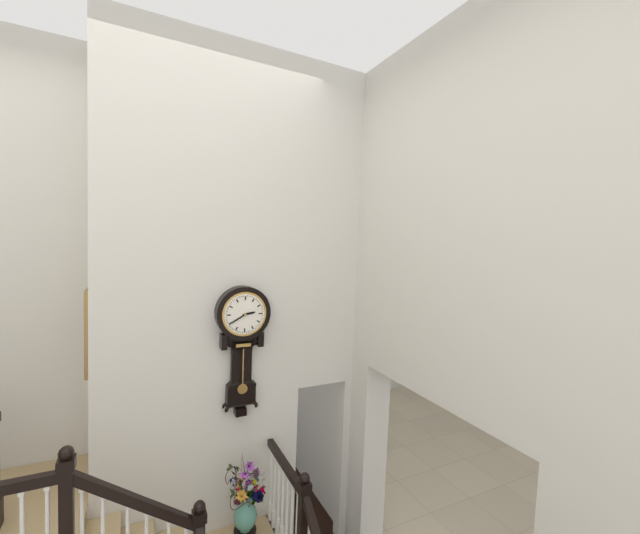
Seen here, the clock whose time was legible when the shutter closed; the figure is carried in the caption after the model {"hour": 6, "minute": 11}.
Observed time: {"hour": 2, "minute": 40}
